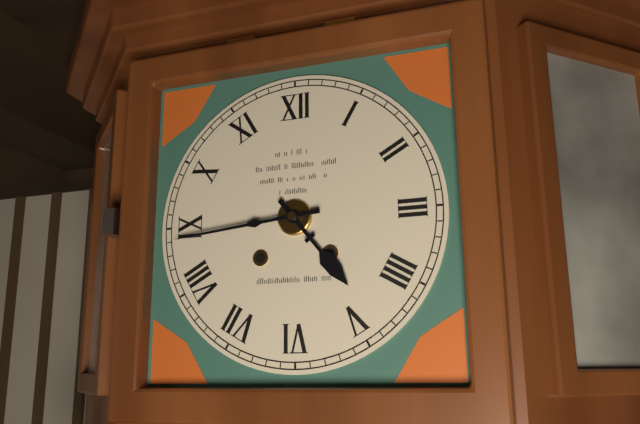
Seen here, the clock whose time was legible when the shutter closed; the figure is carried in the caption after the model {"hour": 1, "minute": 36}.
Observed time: {"hour": 4, "minute": 44}
